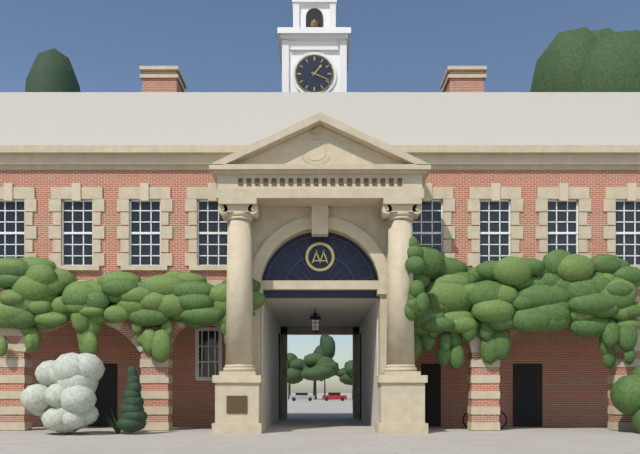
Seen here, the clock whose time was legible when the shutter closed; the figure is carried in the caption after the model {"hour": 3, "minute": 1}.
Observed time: {"hour": 1, "minute": 19}
